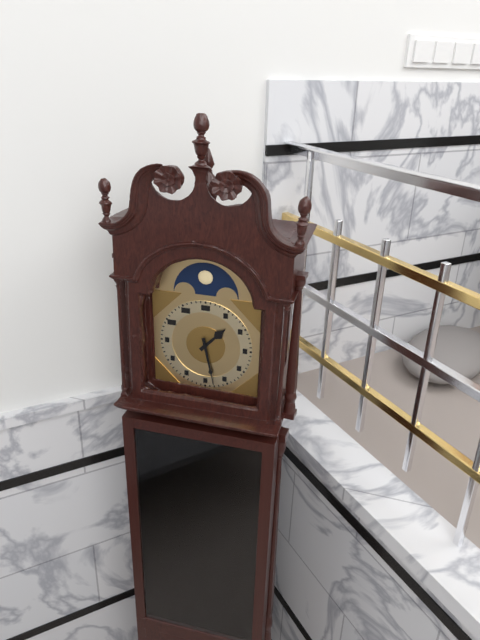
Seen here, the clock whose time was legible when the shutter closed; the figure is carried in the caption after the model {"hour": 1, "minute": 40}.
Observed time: {"hour": 1, "minute": 28}
